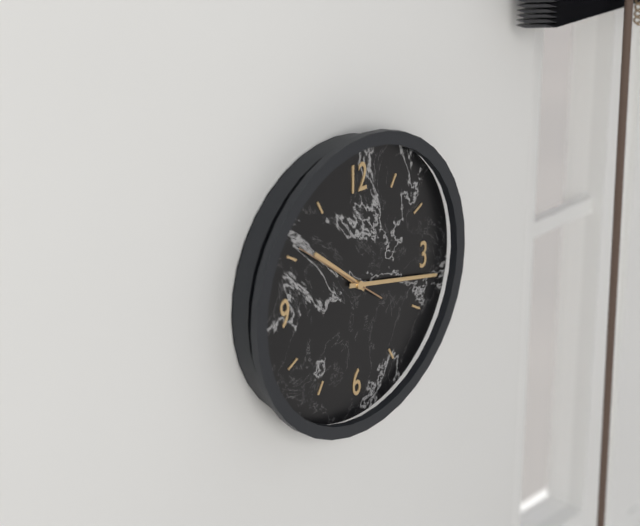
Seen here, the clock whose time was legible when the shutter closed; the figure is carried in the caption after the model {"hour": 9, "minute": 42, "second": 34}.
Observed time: {"hour": 10, "minute": 17, "second": 51}
